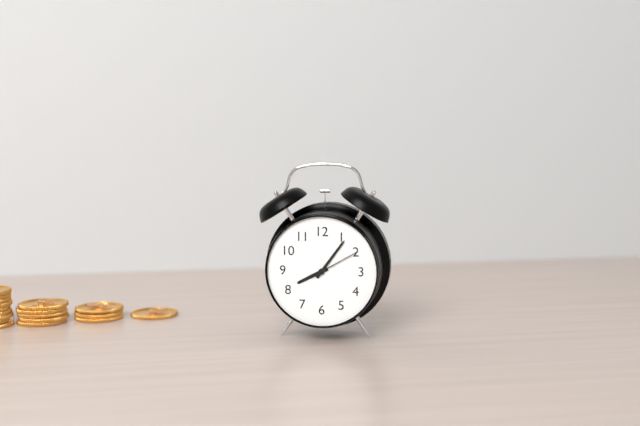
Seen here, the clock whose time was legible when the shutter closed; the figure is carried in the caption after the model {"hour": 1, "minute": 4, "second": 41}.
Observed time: {"hour": 8, "minute": 6, "second": 10}
